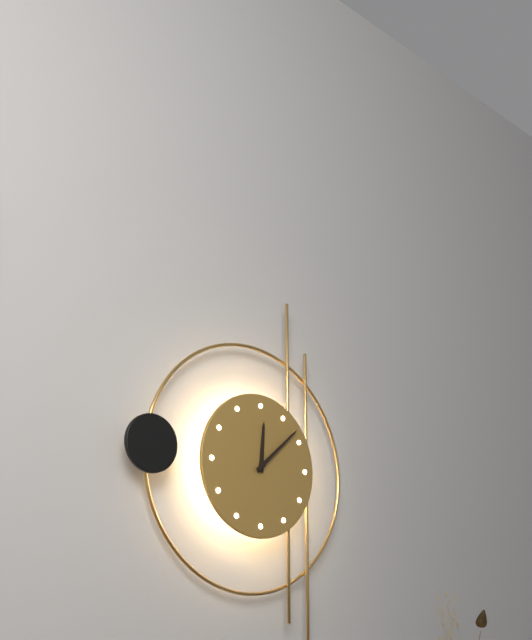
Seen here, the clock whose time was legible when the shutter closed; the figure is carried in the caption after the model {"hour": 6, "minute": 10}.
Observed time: {"hour": 12, "minute": 8}
